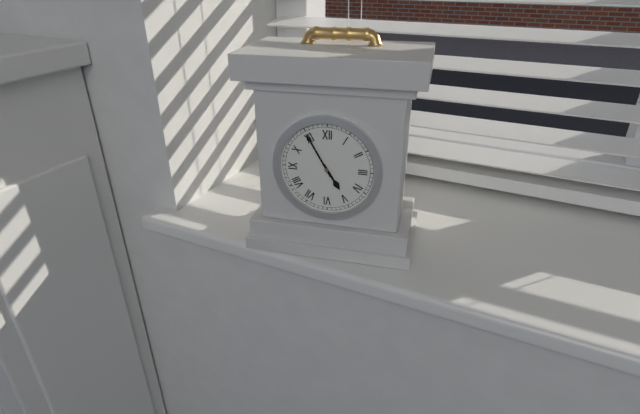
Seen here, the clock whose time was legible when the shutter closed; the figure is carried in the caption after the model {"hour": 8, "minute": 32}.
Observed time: {"hour": 4, "minute": 55}
